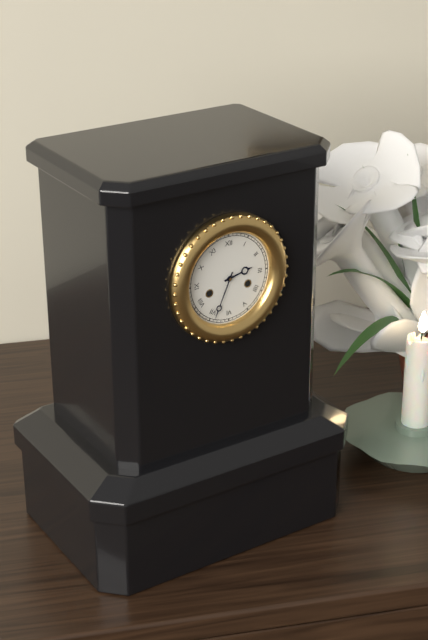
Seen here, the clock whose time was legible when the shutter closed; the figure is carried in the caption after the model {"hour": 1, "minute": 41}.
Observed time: {"hour": 2, "minute": 34}
